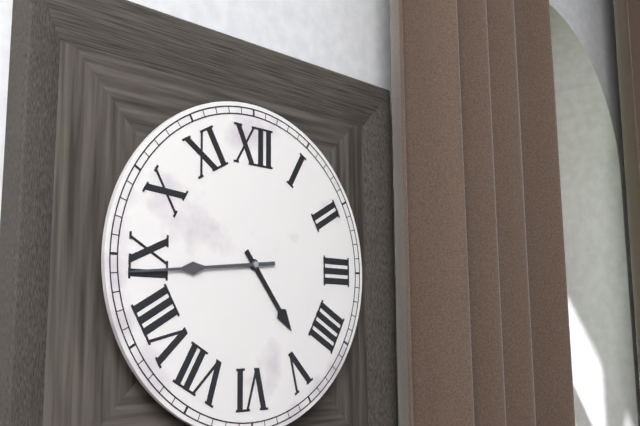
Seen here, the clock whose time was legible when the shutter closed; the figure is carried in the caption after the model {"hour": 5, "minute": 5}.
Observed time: {"hour": 4, "minute": 44}
